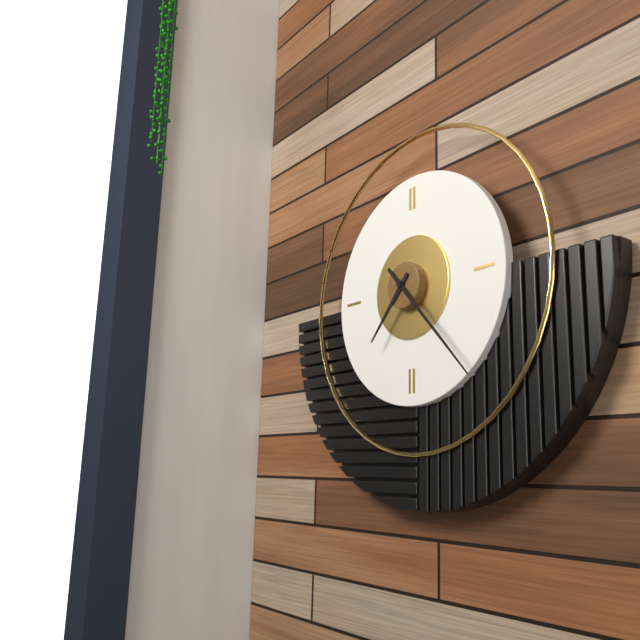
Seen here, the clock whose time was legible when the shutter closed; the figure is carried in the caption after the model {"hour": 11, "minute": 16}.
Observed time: {"hour": 7, "minute": 23}
